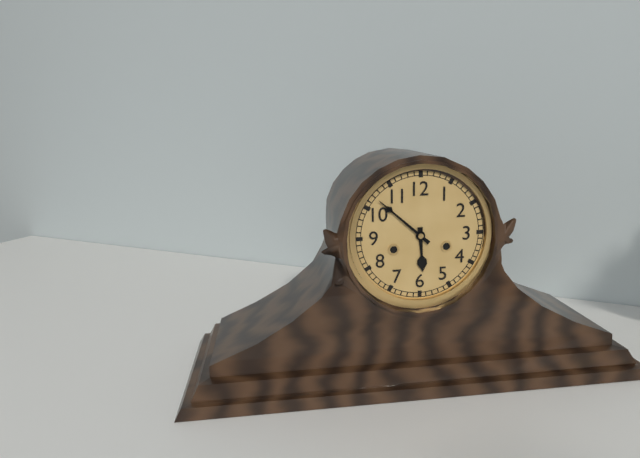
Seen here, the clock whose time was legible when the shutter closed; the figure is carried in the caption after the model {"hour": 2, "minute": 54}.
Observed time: {"hour": 5, "minute": 52}
